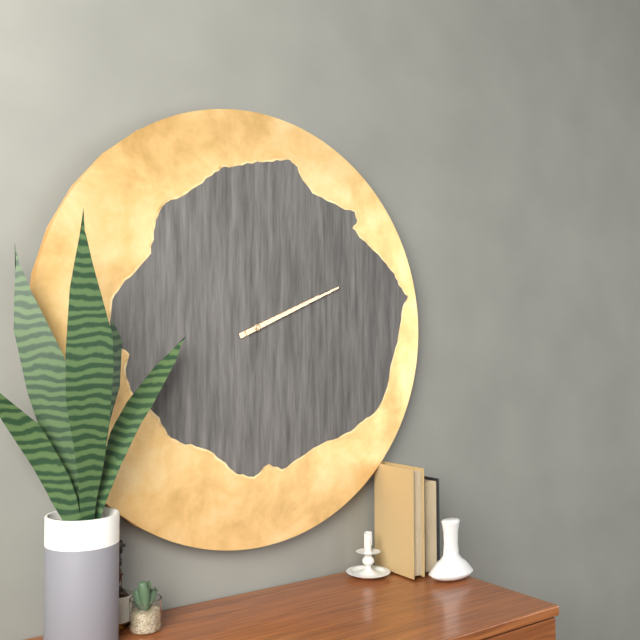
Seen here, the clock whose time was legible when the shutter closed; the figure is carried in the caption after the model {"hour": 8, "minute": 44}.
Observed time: {"hour": 2, "minute": 11}
